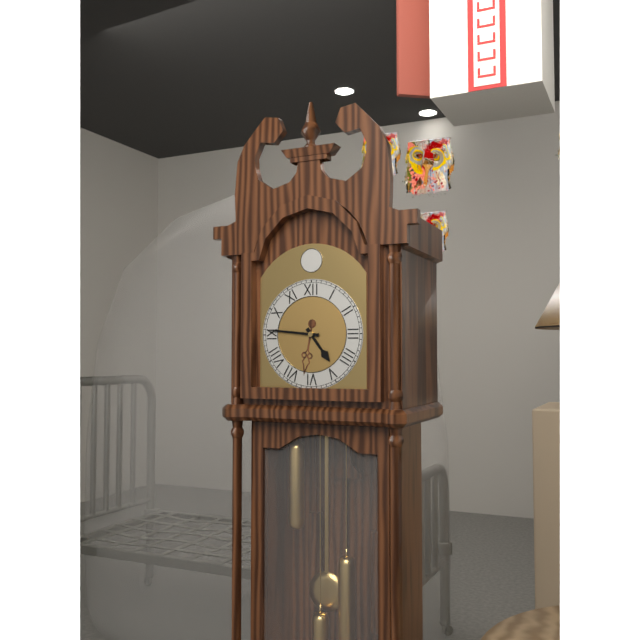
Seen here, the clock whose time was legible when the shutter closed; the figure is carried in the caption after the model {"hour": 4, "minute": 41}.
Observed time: {"hour": 4, "minute": 46}
